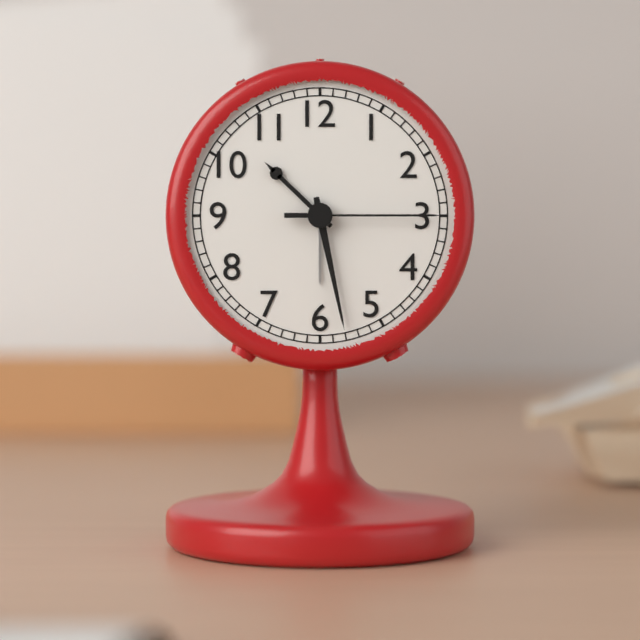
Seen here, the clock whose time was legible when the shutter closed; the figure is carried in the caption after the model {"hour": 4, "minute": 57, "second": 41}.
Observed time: {"hour": 10, "minute": 28, "second": 15}
